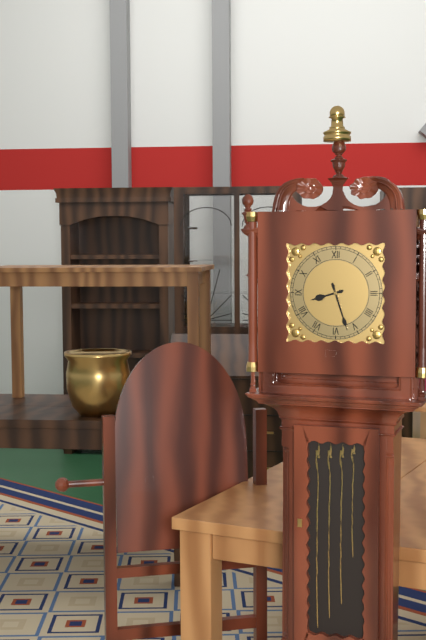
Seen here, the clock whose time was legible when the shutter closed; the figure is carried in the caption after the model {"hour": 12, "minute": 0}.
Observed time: {"hour": 8, "minute": 27}
